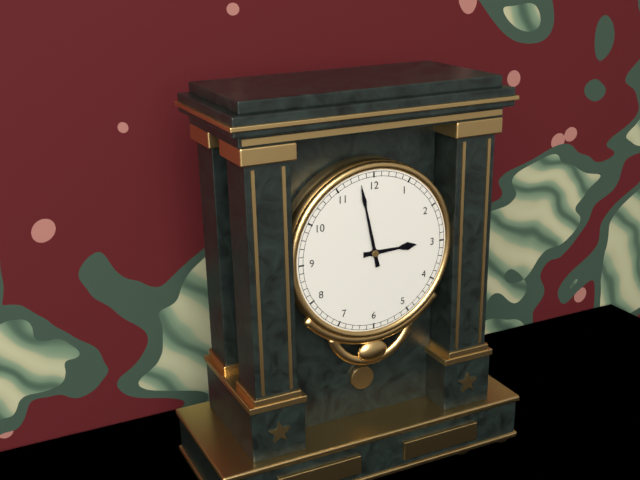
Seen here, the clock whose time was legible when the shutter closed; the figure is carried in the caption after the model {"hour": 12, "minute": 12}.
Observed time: {"hour": 2, "minute": 58}
